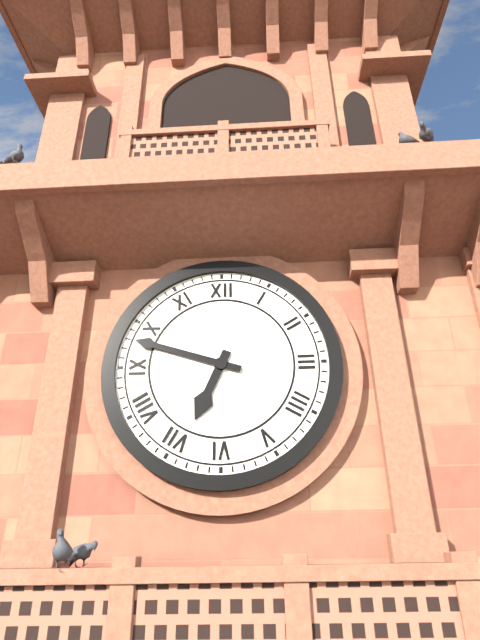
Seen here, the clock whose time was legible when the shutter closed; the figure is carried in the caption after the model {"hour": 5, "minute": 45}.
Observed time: {"hour": 6, "minute": 48}
